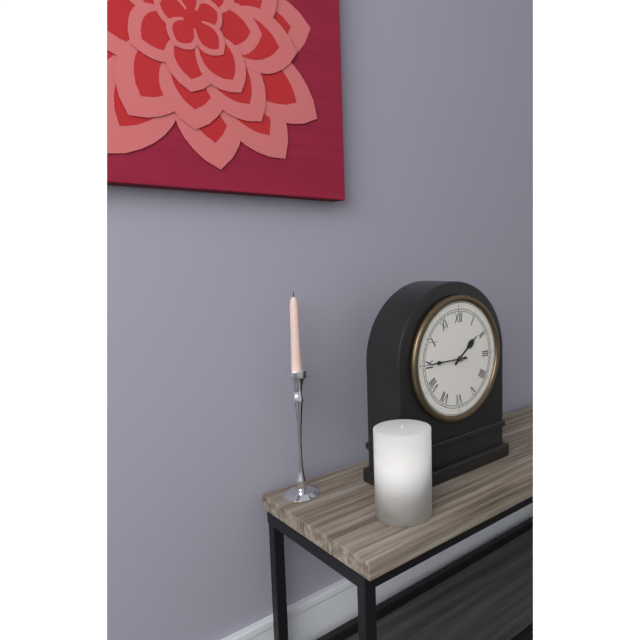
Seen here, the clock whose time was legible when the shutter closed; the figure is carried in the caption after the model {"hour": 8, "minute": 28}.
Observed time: {"hour": 1, "minute": 45}
